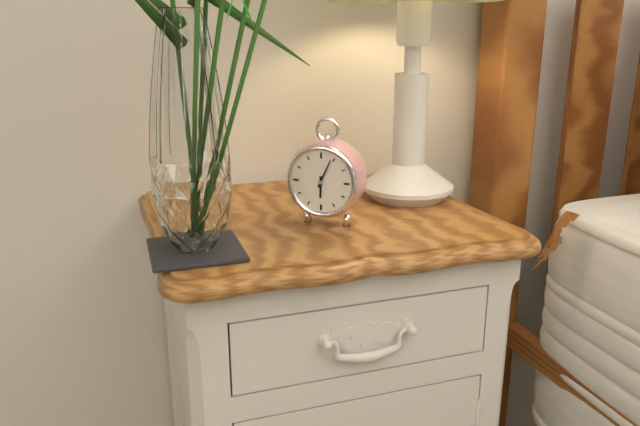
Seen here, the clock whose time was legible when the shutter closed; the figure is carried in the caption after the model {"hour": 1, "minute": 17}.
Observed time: {"hour": 6, "minute": 4}
